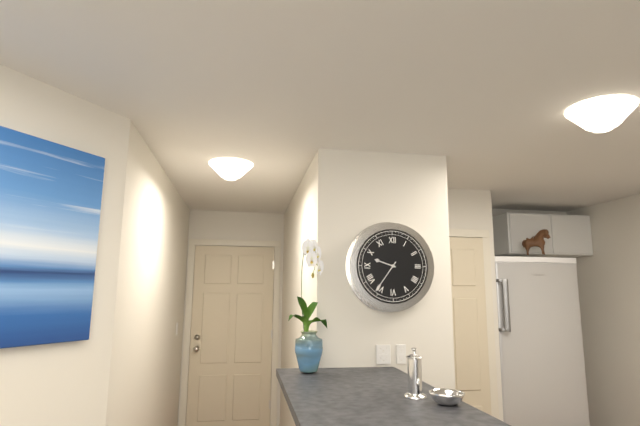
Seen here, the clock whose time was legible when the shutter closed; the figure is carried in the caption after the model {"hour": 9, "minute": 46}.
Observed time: {"hour": 9, "minute": 36}
